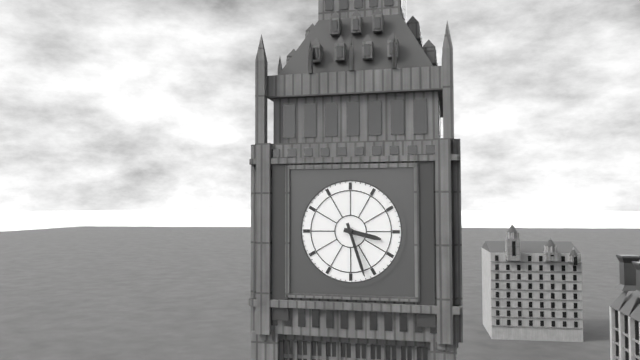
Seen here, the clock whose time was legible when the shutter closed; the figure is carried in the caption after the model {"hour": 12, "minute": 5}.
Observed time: {"hour": 3, "minute": 27}
